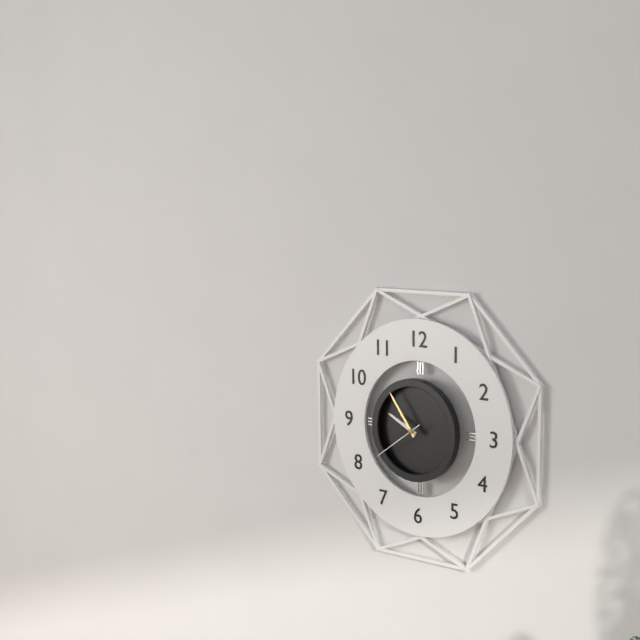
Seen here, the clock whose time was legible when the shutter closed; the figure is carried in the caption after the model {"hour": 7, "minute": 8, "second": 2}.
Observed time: {"hour": 9, "minute": 54, "second": 39}
